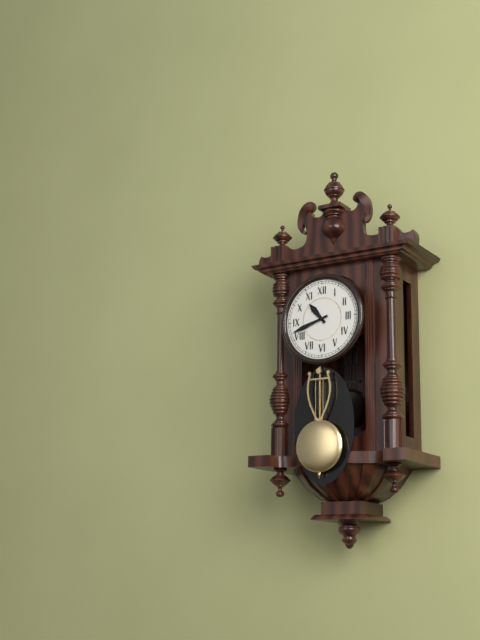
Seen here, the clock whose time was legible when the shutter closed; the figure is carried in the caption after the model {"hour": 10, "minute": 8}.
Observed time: {"hour": 10, "minute": 42}
